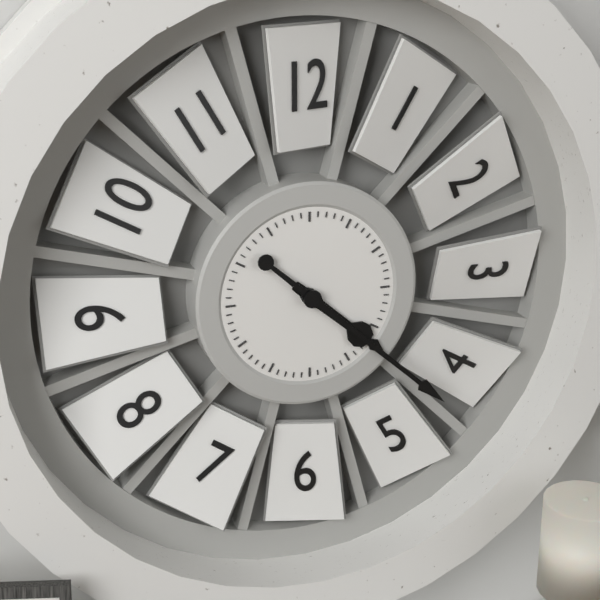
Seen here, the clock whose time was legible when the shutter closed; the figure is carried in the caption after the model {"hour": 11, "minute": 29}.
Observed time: {"hour": 4, "minute": 22}
